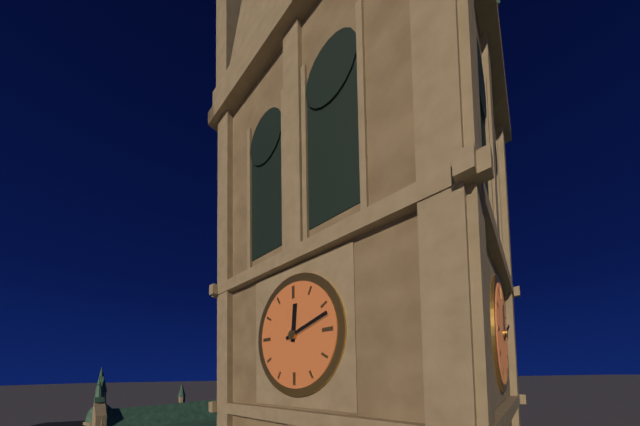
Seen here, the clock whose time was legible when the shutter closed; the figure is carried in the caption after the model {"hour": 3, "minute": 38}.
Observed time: {"hour": 12, "minute": 12}
